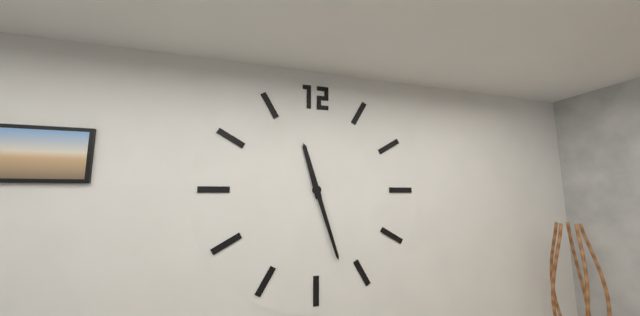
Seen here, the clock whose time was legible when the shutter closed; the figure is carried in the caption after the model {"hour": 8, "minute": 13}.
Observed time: {"hour": 11, "minute": 27}
